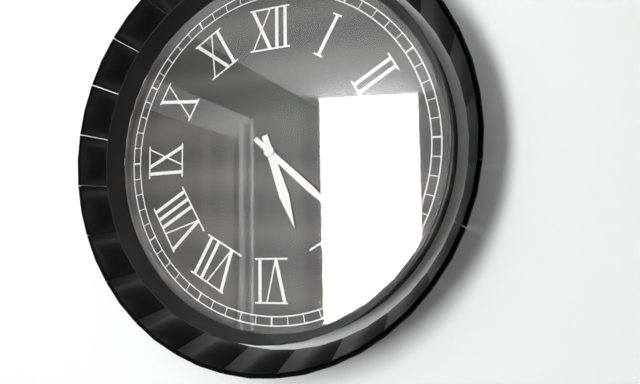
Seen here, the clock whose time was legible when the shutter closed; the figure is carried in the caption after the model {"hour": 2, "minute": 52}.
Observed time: {"hour": 5, "minute": 22}
